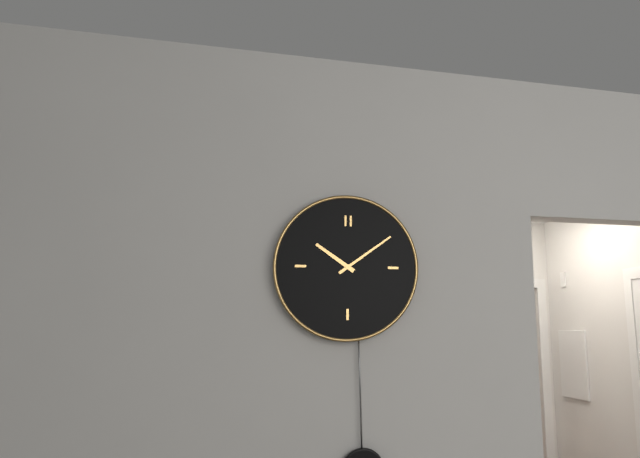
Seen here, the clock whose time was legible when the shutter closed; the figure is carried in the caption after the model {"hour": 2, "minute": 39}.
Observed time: {"hour": 10, "minute": 9}
